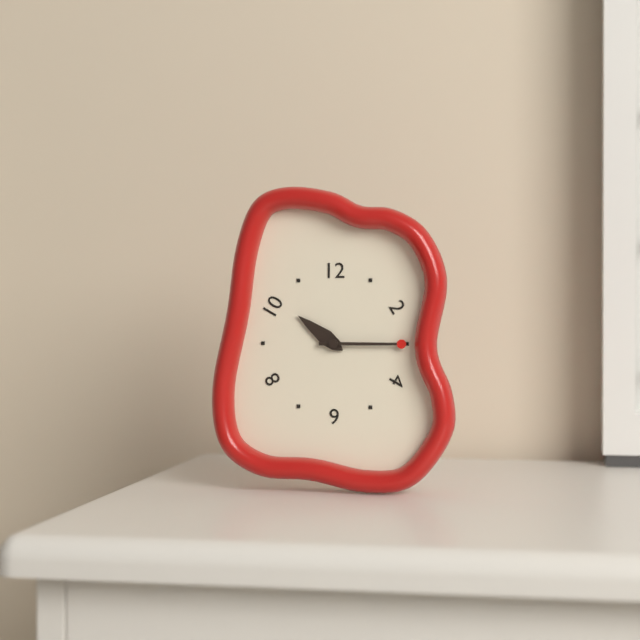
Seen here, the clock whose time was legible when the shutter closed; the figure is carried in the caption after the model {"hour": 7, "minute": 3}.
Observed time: {"hour": 10, "minute": 15}
